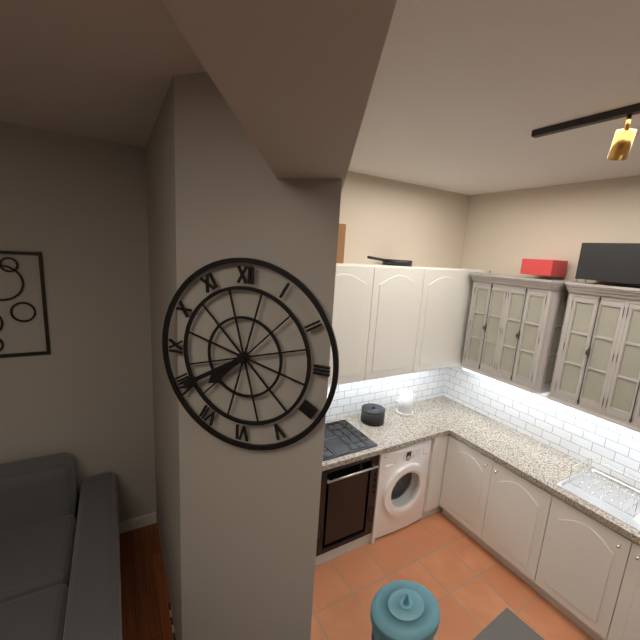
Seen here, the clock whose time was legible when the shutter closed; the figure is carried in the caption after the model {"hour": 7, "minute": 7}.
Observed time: {"hour": 7, "minute": 40}
